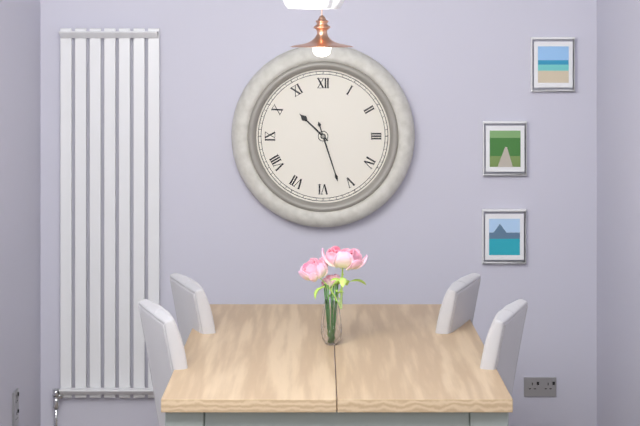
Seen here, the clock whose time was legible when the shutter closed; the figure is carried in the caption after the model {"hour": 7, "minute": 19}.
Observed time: {"hour": 10, "minute": 27}
